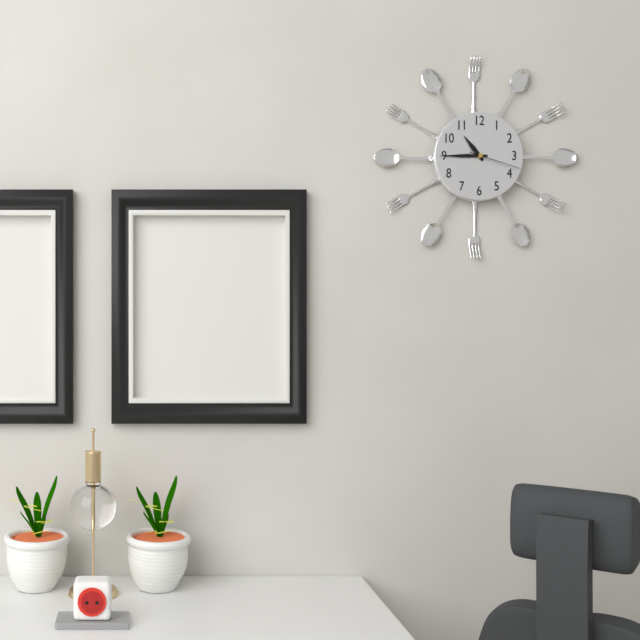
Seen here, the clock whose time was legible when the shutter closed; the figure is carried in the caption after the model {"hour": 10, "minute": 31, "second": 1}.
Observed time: {"hour": 10, "minute": 45, "second": 18}
